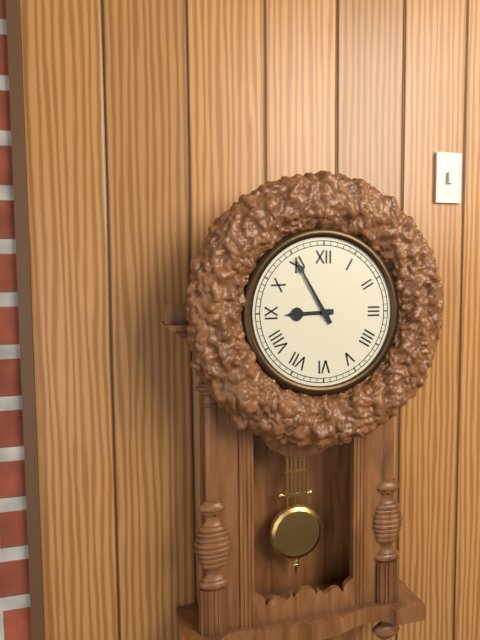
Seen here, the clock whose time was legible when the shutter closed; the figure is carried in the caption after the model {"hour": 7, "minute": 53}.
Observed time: {"hour": 8, "minute": 55}
